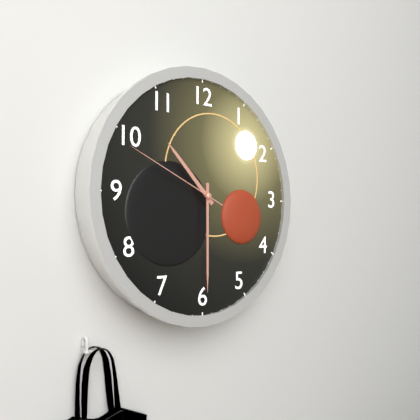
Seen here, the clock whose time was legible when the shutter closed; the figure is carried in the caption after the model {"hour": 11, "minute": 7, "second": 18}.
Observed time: {"hour": 10, "minute": 30, "second": 49}
